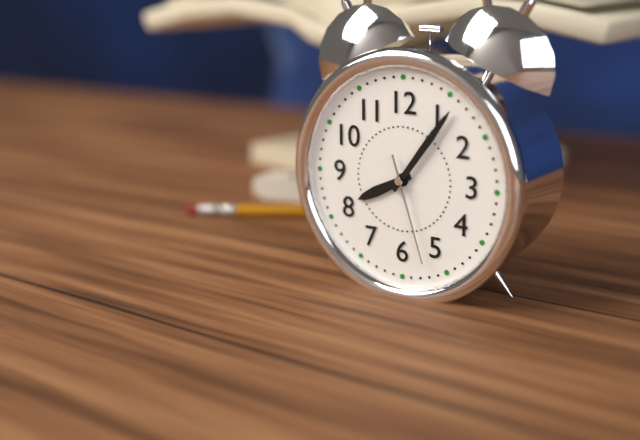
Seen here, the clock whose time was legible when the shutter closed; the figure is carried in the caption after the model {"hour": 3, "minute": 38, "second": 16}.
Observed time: {"hour": 8, "minute": 6, "second": 27}
